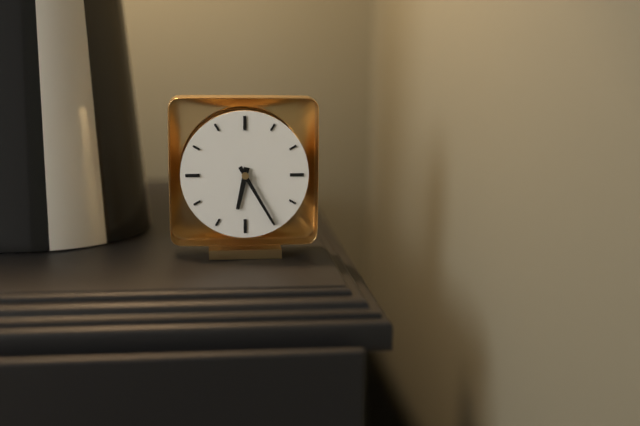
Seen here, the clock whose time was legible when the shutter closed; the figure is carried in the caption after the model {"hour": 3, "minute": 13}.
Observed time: {"hour": 6, "minute": 25}
